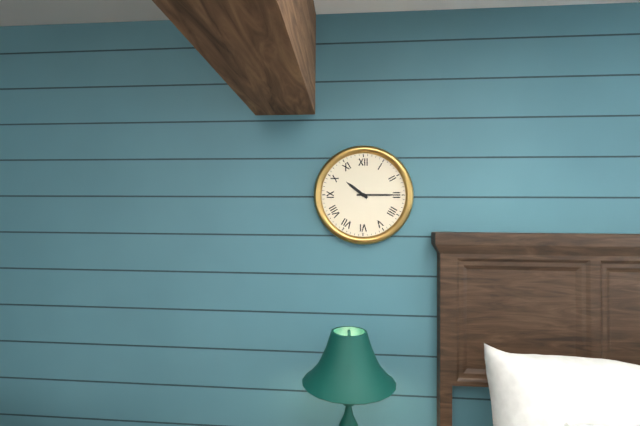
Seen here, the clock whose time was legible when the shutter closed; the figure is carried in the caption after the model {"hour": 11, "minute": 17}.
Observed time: {"hour": 10, "minute": 15}
